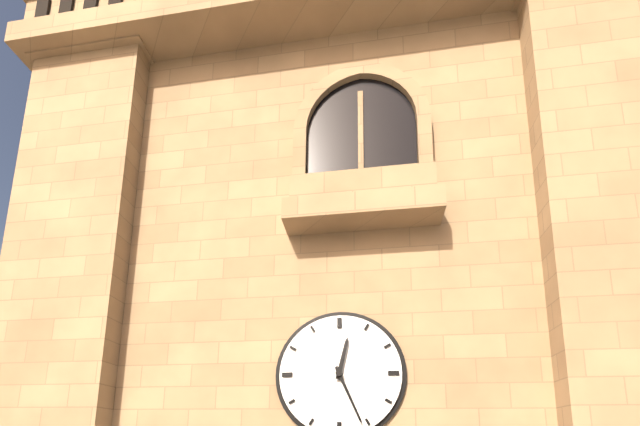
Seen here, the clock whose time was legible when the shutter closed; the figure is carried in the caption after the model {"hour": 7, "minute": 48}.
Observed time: {"hour": 12, "minute": 26}
